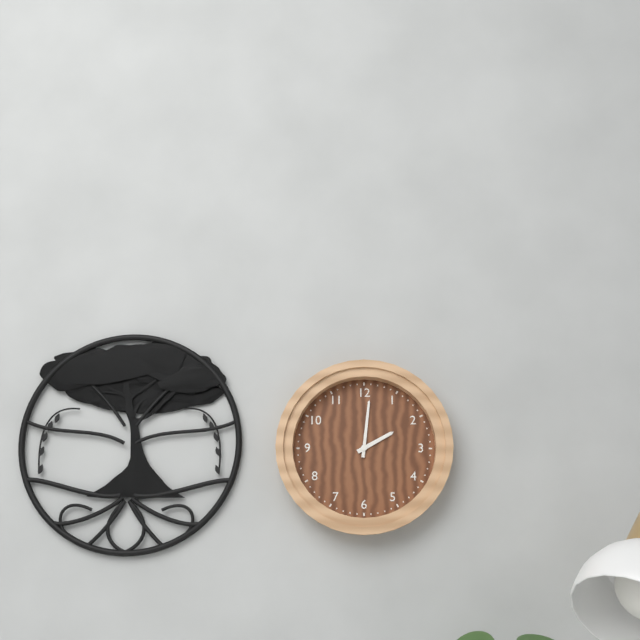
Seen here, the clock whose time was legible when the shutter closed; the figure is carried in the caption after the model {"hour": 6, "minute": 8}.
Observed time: {"hour": 2, "minute": 1}
